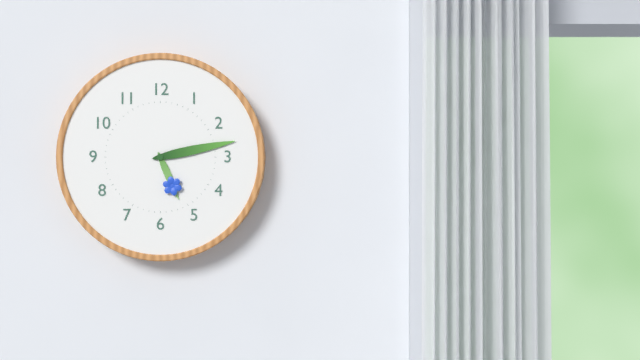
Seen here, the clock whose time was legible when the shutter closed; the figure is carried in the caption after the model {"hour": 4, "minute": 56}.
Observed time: {"hour": 5, "minute": 13}
